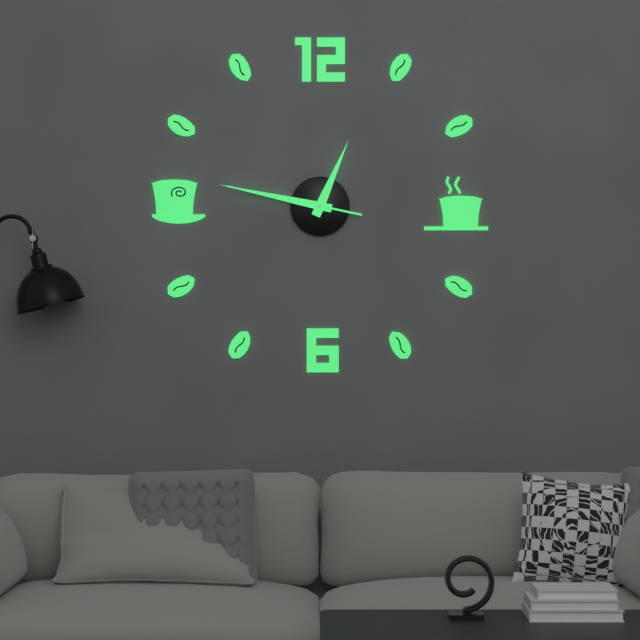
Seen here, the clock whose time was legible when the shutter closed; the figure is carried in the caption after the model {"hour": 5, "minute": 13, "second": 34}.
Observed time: {"hour": 12, "minute": 47, "second": 47}
